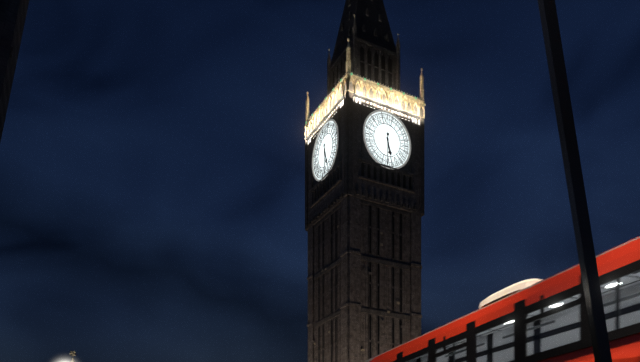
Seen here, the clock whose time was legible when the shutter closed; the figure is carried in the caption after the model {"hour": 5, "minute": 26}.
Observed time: {"hour": 5, "minute": 30}
